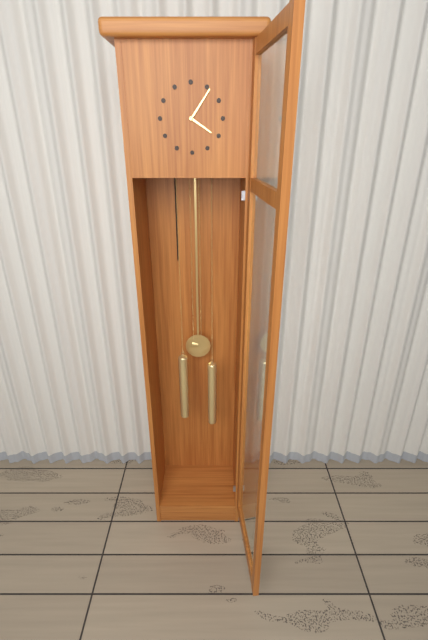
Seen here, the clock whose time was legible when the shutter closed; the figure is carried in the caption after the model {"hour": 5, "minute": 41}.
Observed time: {"hour": 4, "minute": 6}
